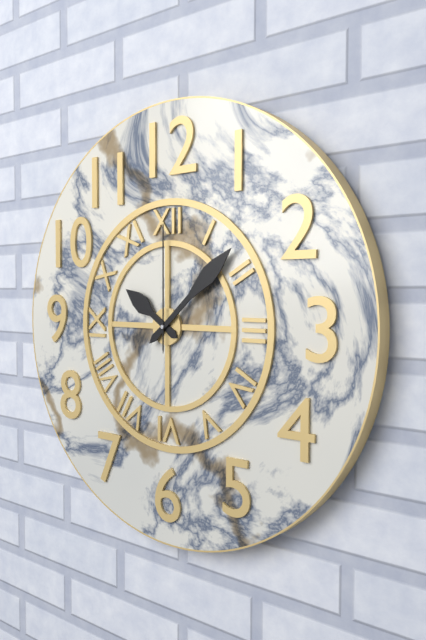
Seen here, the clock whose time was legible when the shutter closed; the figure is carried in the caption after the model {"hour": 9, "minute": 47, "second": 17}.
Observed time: {"hour": 10, "minute": 8, "second": 0}
